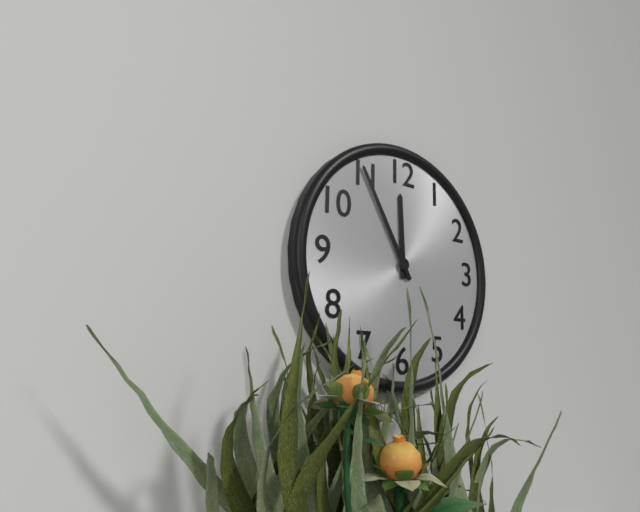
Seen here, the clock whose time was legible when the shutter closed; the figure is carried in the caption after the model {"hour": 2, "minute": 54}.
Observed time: {"hour": 11, "minute": 55}
